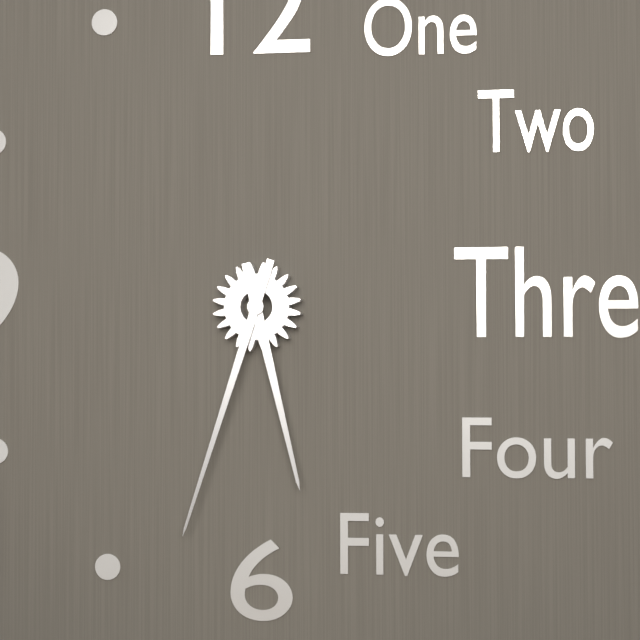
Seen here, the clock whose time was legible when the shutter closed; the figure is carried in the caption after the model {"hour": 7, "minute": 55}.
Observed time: {"hour": 5, "minute": 33}
